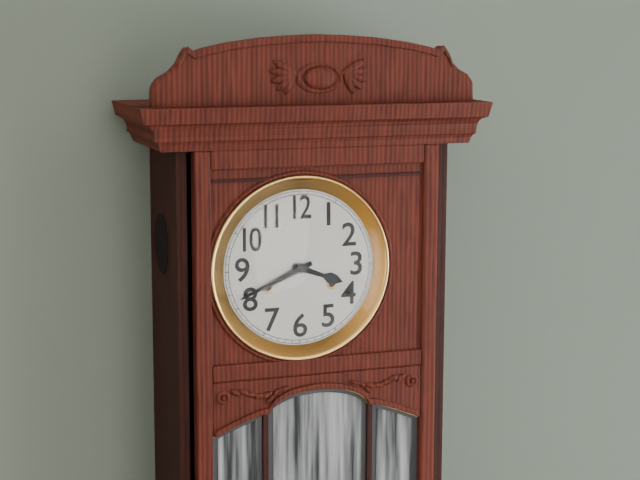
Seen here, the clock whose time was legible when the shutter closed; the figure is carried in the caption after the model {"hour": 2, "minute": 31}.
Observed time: {"hour": 3, "minute": 41}
